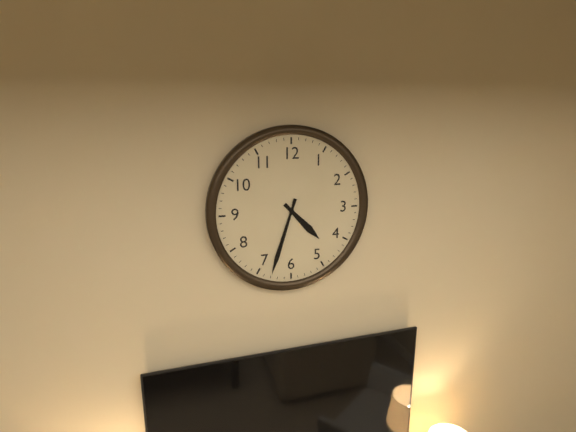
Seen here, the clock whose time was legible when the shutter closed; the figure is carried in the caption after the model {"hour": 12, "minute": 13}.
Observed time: {"hour": 4, "minute": 33}
